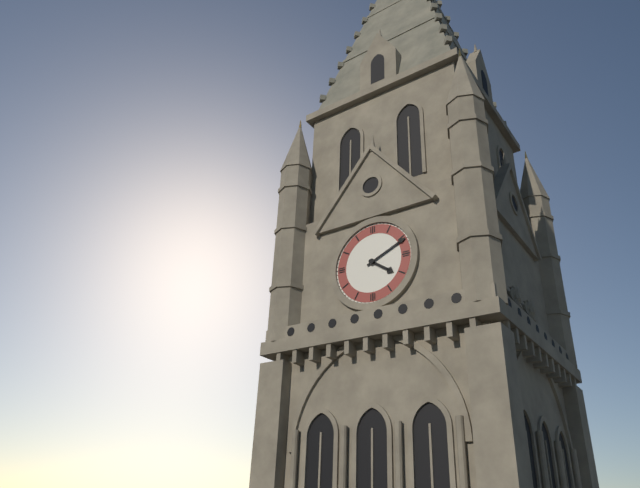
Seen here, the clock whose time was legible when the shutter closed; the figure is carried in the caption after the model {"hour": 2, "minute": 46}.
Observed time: {"hour": 4, "minute": 11}
